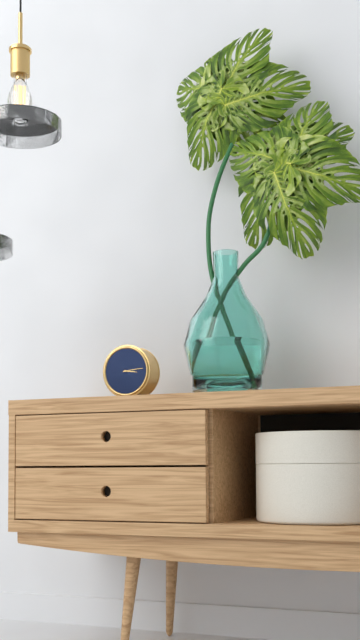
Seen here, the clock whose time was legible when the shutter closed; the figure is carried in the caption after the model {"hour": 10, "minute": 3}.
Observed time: {"hour": 3, "minute": 14}
